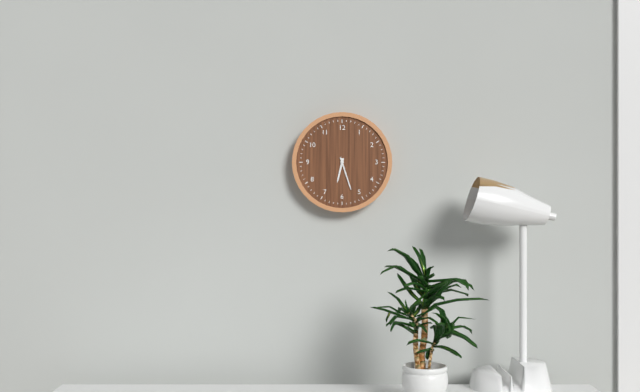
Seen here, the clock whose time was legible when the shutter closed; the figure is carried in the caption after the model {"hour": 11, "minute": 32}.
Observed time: {"hour": 6, "minute": 27}
